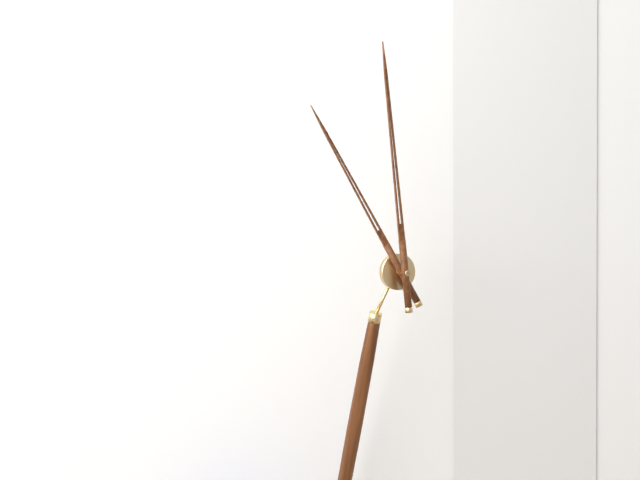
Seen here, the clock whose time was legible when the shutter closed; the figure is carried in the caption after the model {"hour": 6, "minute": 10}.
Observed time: {"hour": 10, "minute": 59}
